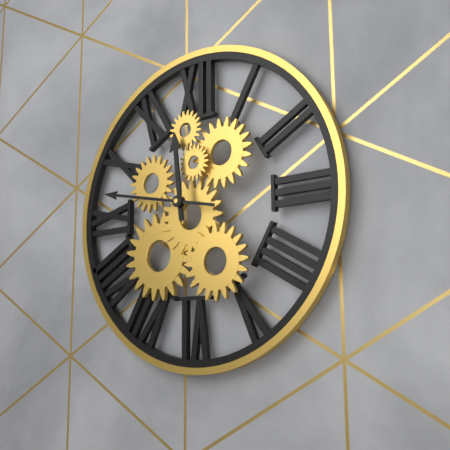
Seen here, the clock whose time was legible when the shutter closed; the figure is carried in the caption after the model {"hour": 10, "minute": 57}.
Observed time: {"hour": 11, "minute": 47}
